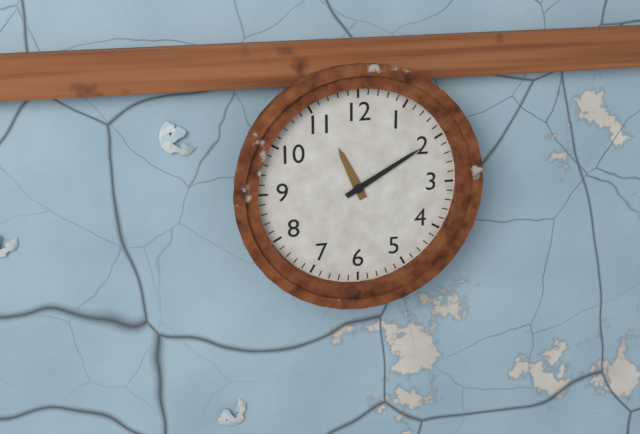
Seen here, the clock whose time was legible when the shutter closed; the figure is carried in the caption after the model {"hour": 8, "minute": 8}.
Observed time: {"hour": 11, "minute": 10}
